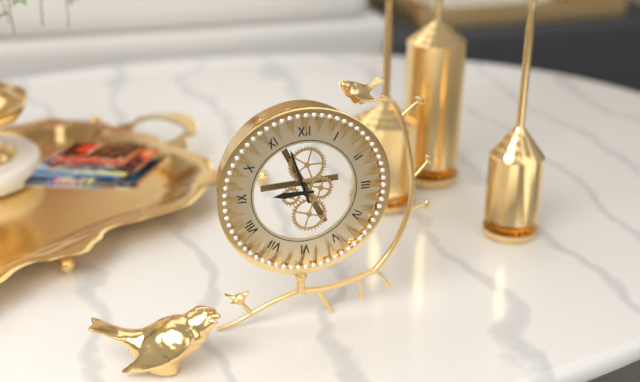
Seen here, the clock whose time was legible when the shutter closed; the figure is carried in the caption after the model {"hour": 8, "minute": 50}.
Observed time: {"hour": 8, "minute": 57}
